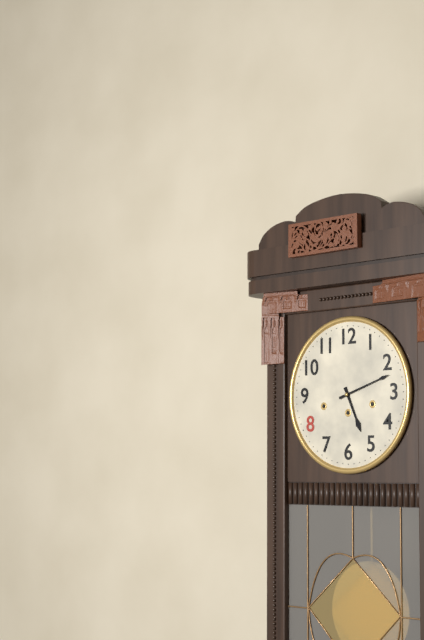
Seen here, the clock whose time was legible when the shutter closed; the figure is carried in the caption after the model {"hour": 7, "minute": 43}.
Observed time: {"hour": 5, "minute": 12}
